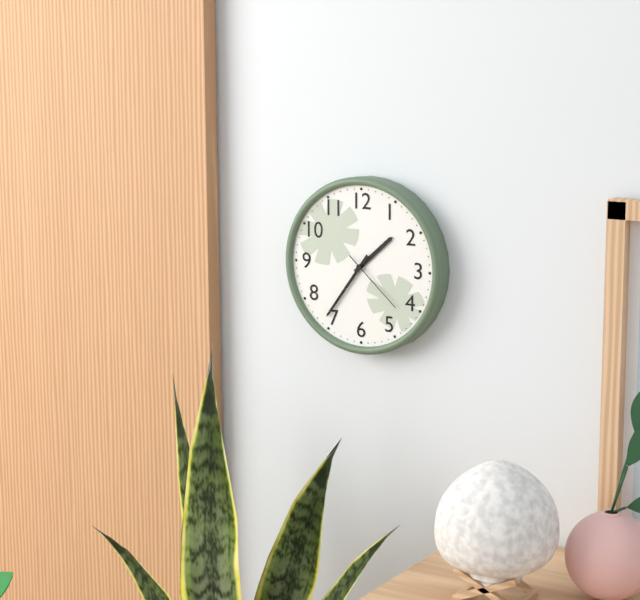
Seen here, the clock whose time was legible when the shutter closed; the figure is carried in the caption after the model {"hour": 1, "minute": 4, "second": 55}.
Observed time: {"hour": 1, "minute": 36, "second": 22}
